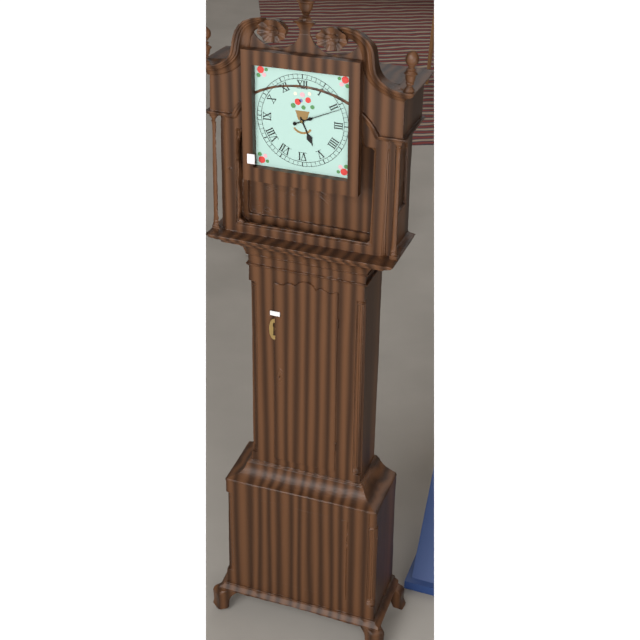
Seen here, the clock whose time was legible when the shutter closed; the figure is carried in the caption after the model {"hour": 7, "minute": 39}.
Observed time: {"hour": 5, "minute": 11}
